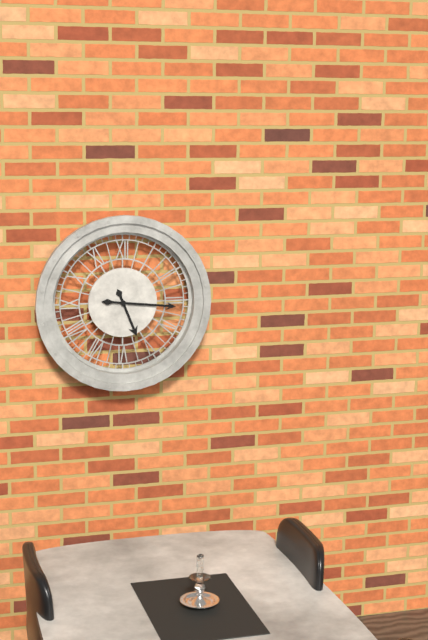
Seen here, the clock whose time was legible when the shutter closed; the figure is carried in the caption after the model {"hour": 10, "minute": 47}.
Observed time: {"hour": 5, "minute": 16}
